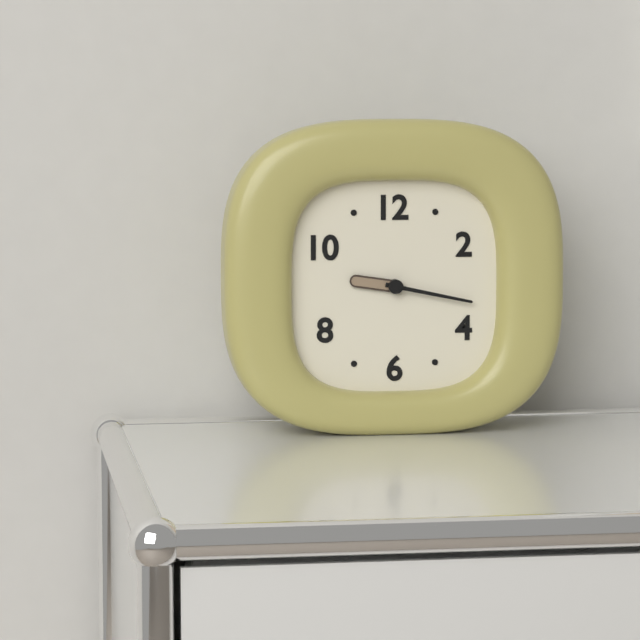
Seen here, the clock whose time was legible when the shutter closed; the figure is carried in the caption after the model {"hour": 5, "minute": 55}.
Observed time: {"hour": 9, "minute": 17}
